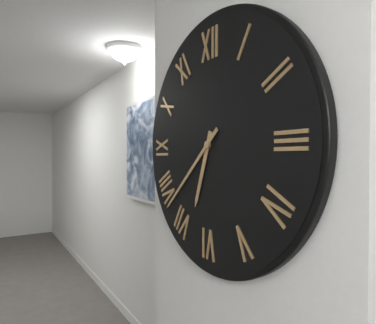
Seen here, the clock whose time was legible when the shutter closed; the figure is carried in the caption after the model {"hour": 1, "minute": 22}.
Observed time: {"hour": 6, "minute": 38}
